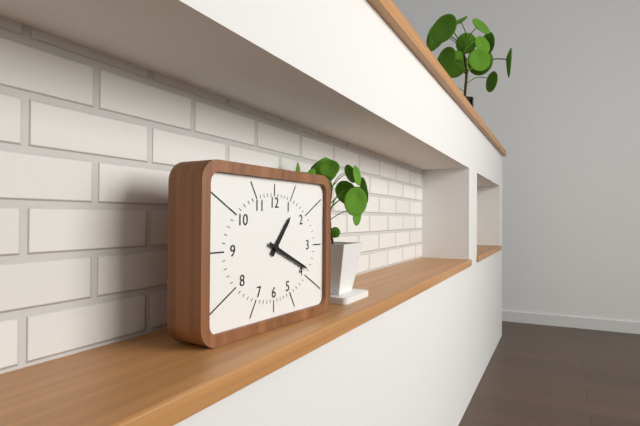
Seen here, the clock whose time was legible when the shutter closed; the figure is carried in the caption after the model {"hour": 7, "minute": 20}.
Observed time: {"hour": 1, "minute": 19}
